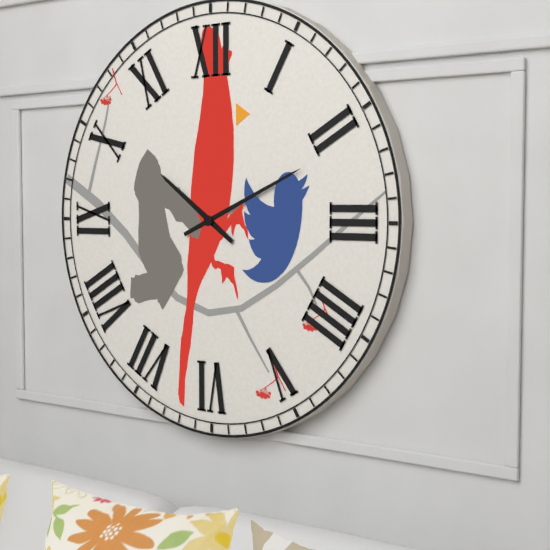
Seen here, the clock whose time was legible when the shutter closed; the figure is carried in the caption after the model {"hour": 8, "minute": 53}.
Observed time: {"hour": 10, "minute": 11}
